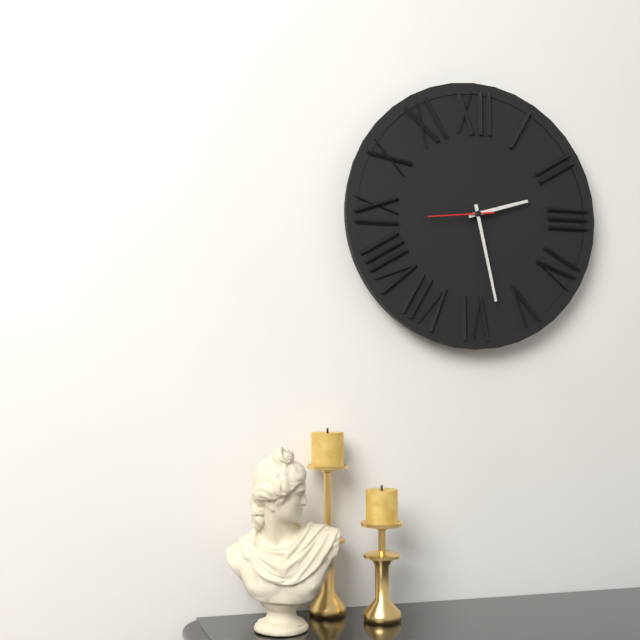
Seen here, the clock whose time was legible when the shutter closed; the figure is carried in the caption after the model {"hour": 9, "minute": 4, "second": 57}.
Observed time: {"hour": 2, "minute": 28, "second": 44}
